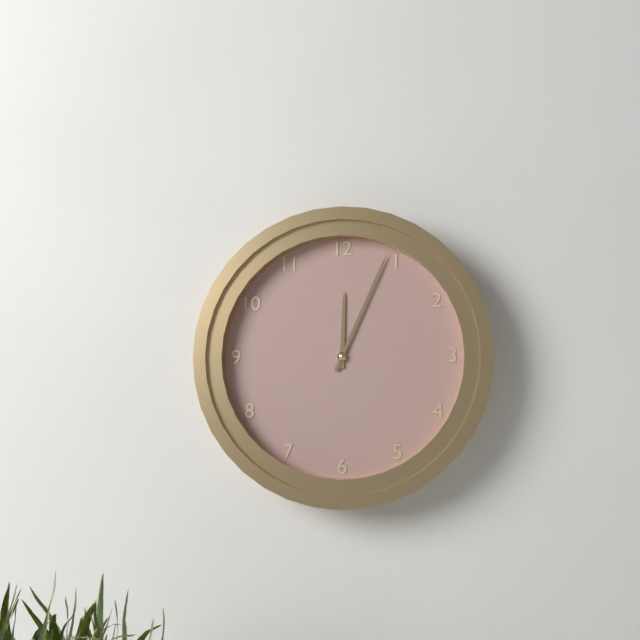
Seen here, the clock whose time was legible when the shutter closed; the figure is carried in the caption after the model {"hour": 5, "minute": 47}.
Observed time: {"hour": 12, "minute": 4}
